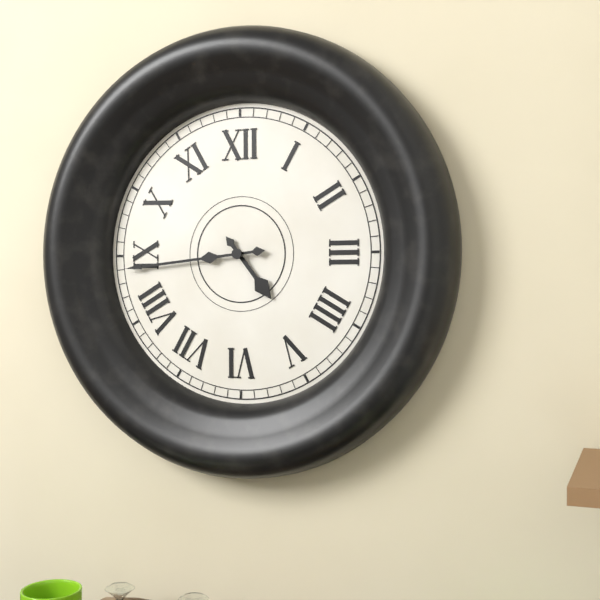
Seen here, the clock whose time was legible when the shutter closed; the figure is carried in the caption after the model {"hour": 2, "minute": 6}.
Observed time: {"hour": 4, "minute": 44}
